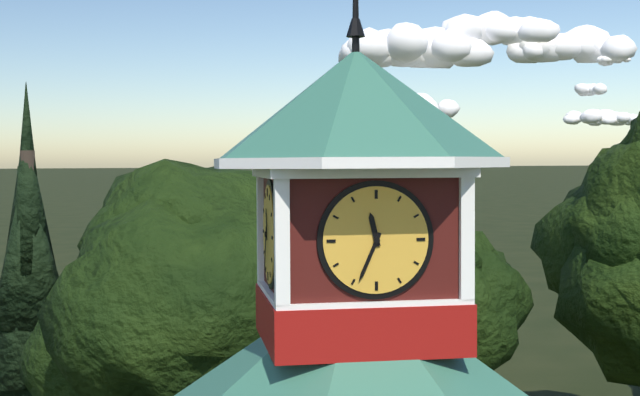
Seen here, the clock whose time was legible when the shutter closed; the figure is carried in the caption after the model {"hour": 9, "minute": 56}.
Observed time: {"hour": 11, "minute": 34}
